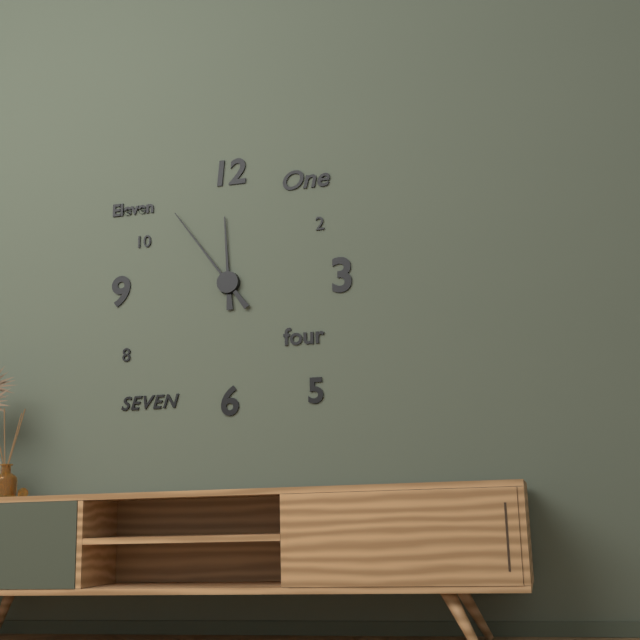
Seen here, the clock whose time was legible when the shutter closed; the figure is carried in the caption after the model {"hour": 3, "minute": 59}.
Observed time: {"hour": 11, "minute": 54}
